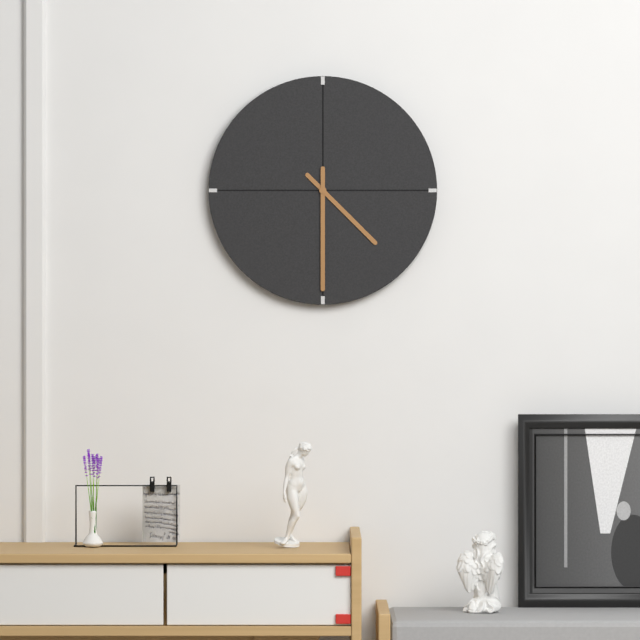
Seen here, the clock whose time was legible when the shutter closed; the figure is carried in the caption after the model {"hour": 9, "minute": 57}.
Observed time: {"hour": 4, "minute": 30}
